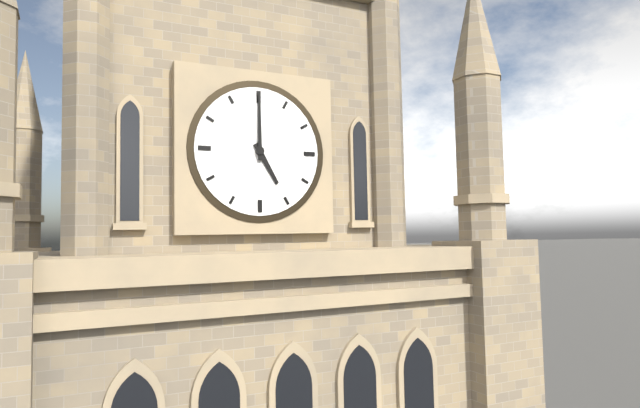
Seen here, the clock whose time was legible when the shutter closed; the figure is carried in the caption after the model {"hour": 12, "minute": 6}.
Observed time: {"hour": 5, "minute": 0}
